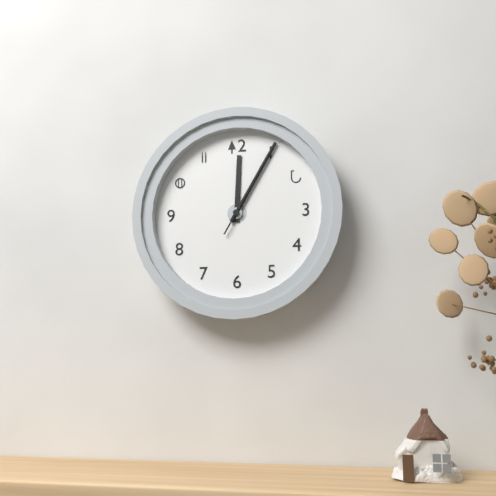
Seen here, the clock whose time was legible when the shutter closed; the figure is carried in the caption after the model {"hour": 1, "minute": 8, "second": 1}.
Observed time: {"hour": 12, "minute": 5, "second": 5}
